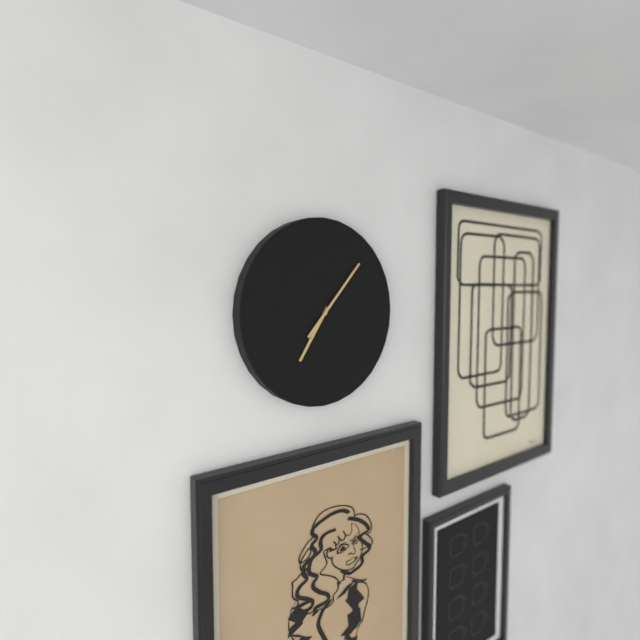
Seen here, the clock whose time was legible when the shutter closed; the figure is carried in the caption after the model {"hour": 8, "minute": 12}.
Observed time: {"hour": 7, "minute": 7}
